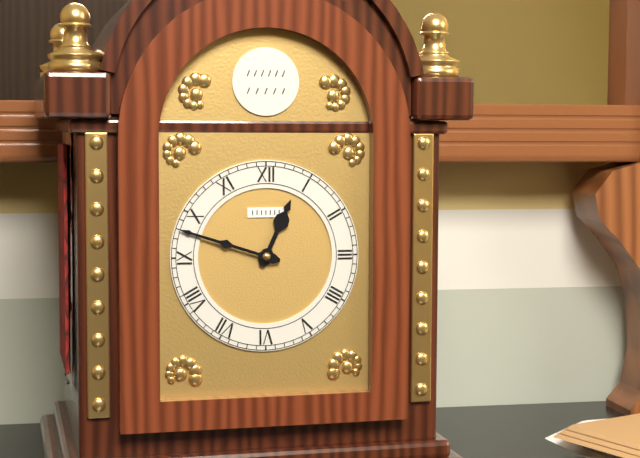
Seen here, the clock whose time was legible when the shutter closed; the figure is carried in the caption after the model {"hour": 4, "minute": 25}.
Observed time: {"hour": 12, "minute": 48}
